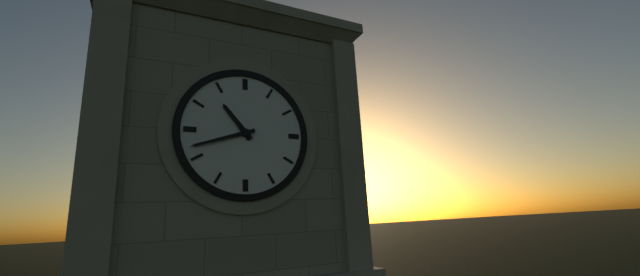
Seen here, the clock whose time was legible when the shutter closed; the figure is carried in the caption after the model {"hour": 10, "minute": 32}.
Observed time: {"hour": 10, "minute": 42}
